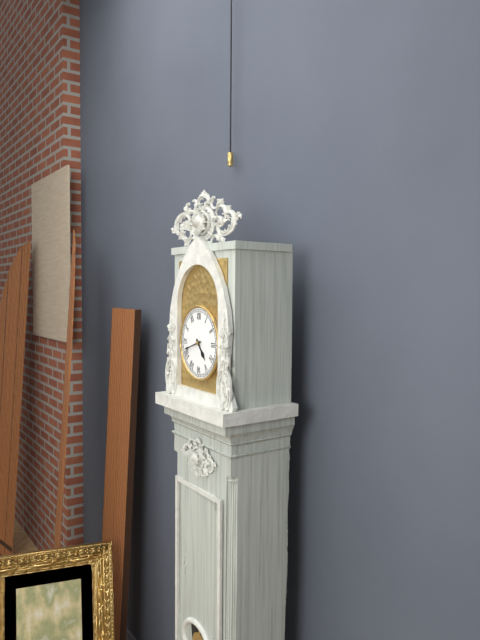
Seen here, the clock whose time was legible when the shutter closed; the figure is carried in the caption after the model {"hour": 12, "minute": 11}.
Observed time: {"hour": 4, "minute": 42}
